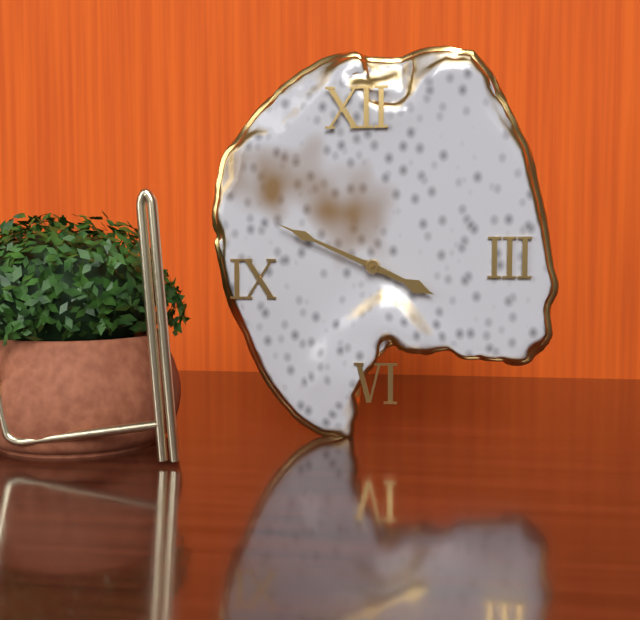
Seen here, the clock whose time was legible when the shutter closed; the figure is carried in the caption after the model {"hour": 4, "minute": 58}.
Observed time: {"hour": 3, "minute": 49}
